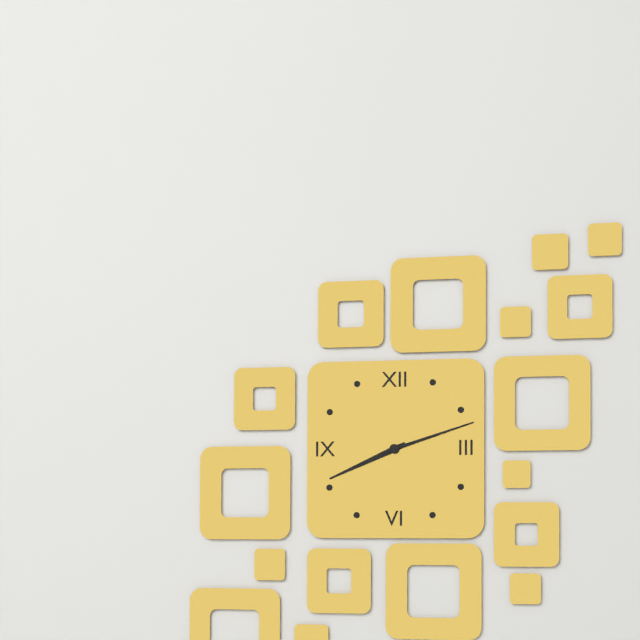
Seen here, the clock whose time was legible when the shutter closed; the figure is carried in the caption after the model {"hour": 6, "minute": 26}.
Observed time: {"hour": 8, "minute": 12}
